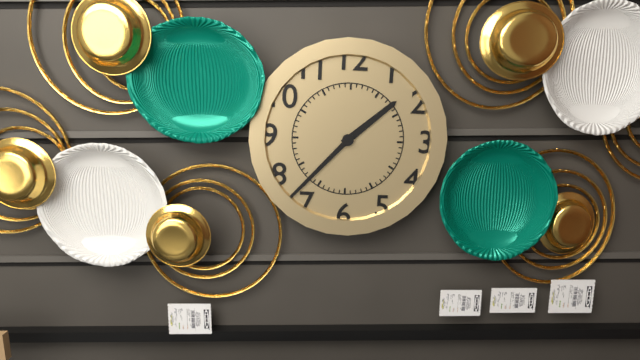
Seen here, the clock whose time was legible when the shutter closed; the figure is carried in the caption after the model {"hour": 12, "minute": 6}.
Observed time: {"hour": 1, "minute": 37}
